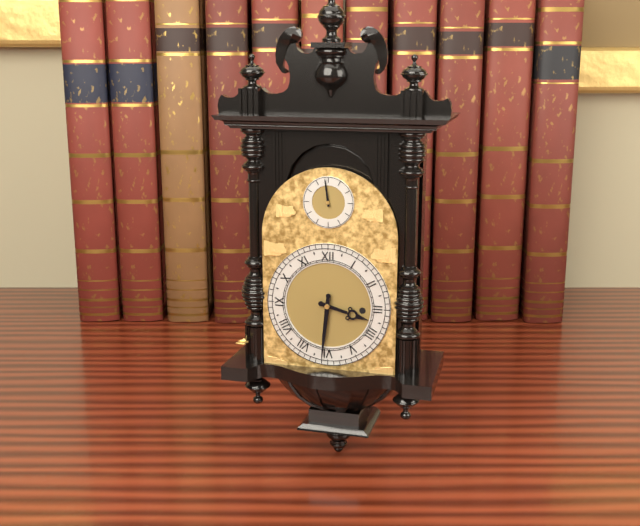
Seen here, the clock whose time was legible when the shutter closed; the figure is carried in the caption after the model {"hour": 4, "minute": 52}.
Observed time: {"hour": 3, "minute": 31}
